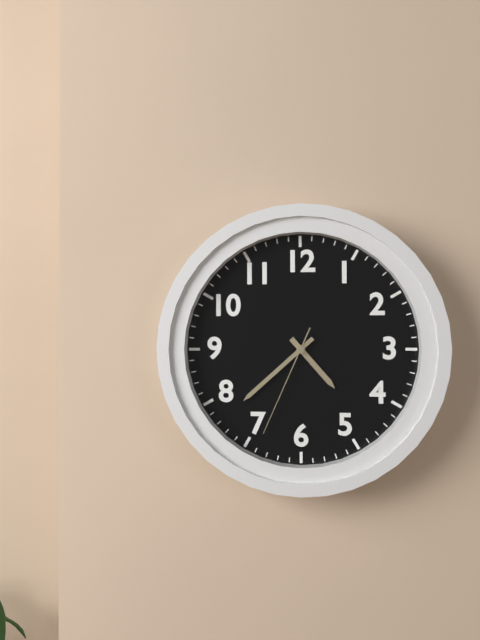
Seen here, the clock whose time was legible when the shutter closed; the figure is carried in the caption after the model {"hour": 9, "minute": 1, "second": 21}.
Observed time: {"hour": 4, "minute": 38, "second": 34}
